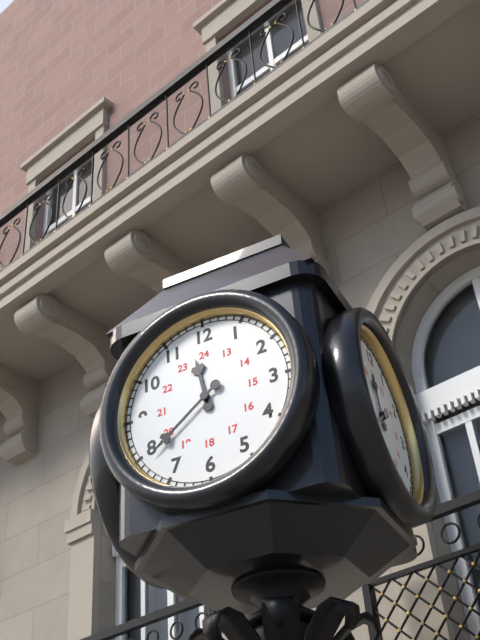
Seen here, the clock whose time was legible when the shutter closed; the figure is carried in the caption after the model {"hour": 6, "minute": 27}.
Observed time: {"hour": 11, "minute": 39}
